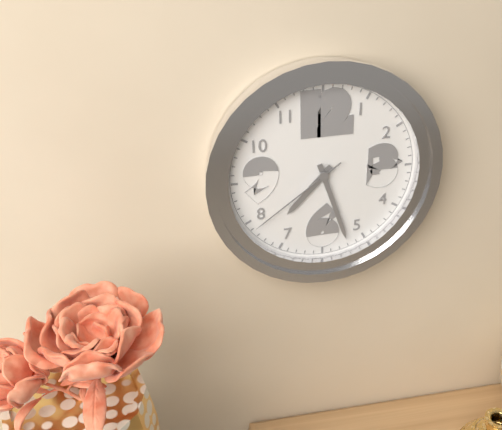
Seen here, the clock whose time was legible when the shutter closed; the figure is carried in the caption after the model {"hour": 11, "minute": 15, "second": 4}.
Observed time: {"hour": 7, "minute": 27, "second": 39}
